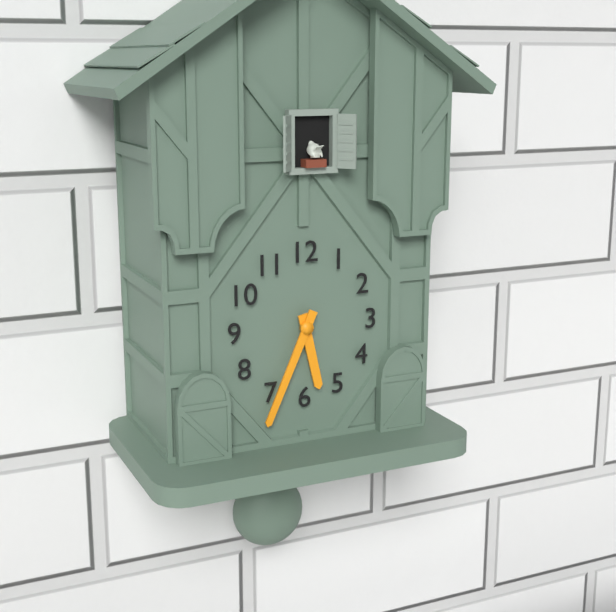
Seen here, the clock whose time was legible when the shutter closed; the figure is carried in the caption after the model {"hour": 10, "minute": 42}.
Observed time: {"hour": 5, "minute": 34}
